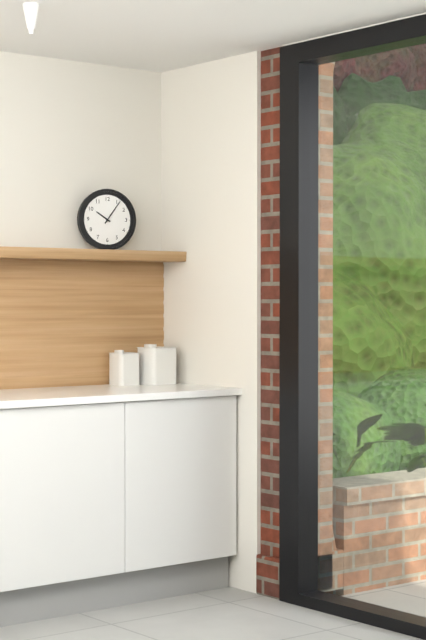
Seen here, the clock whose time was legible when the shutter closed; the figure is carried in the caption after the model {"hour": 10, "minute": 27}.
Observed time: {"hour": 10, "minute": 6}
